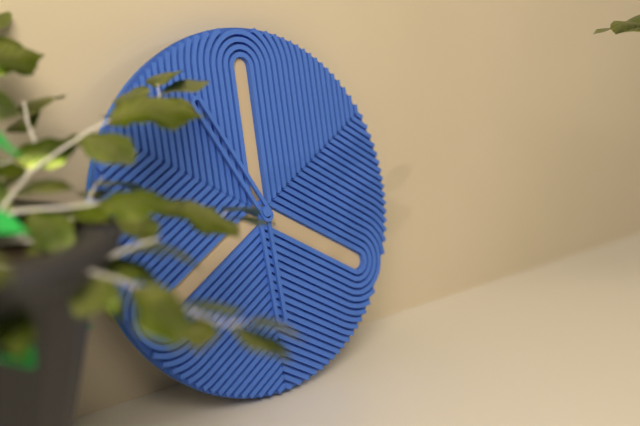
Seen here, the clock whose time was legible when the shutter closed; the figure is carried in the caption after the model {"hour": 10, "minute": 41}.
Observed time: {"hour": 5, "minute": 55}
